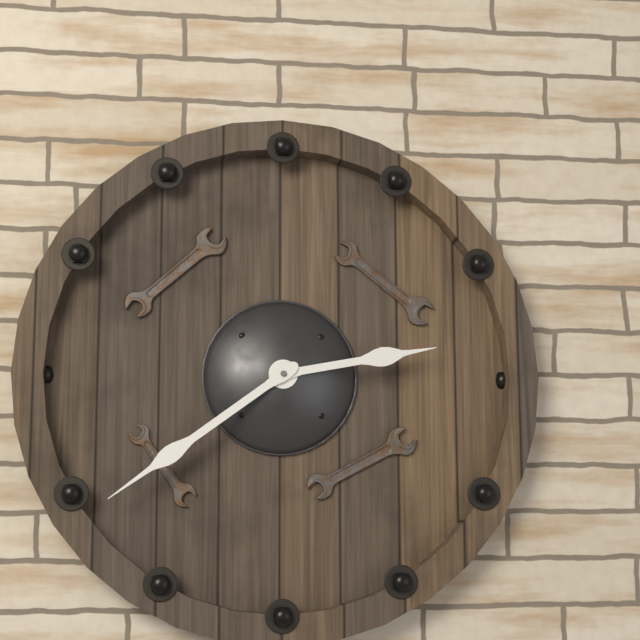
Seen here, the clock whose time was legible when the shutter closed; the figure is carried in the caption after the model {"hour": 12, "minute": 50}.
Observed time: {"hour": 2, "minute": 39}
